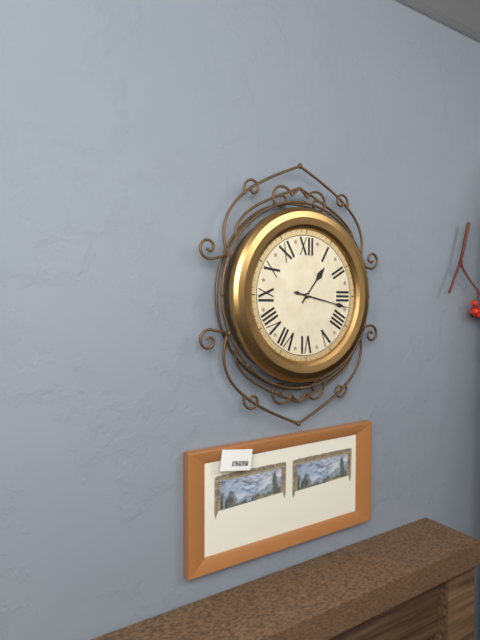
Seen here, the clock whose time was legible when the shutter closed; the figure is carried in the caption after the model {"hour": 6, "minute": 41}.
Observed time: {"hour": 1, "minute": 17}
